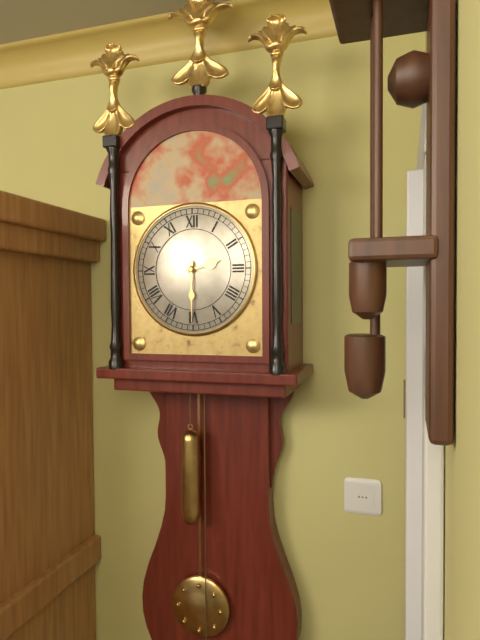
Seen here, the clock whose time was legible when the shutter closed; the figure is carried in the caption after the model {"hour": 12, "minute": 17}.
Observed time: {"hour": 2, "minute": 30}
